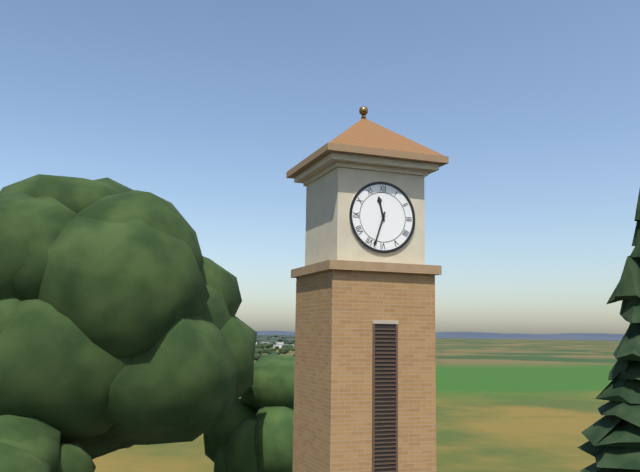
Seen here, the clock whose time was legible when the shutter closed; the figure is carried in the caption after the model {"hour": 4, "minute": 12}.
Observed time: {"hour": 11, "minute": 33}
